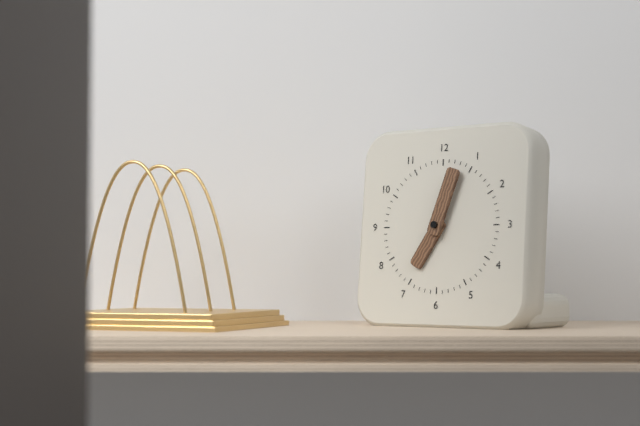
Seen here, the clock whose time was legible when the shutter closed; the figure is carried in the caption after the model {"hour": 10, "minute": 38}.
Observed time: {"hour": 7, "minute": 3}
